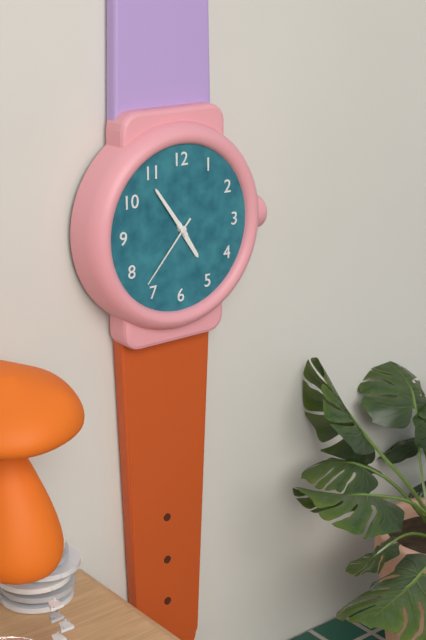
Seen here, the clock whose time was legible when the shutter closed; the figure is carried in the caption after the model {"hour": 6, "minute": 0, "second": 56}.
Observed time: {"hour": 4, "minute": 54, "second": 37}
